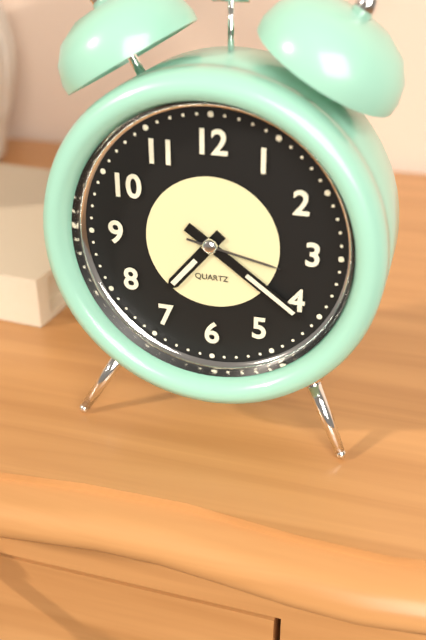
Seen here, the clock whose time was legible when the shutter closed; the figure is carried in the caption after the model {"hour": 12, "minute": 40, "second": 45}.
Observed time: {"hour": 7, "minute": 21, "second": 17}
